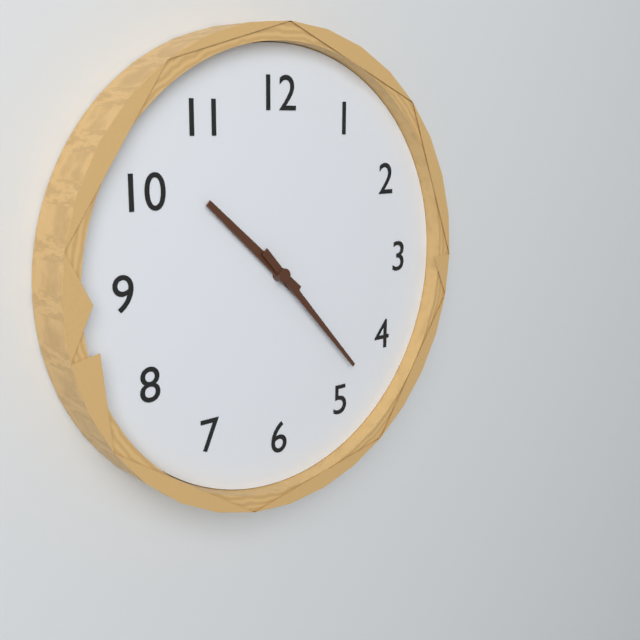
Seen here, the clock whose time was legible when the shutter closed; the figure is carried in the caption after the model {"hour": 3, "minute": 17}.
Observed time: {"hour": 10, "minute": 23}
